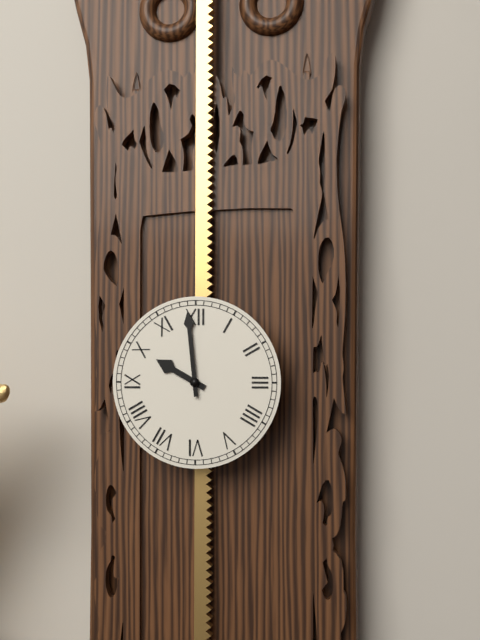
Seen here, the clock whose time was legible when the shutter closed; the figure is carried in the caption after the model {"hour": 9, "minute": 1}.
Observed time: {"hour": 9, "minute": 59}
